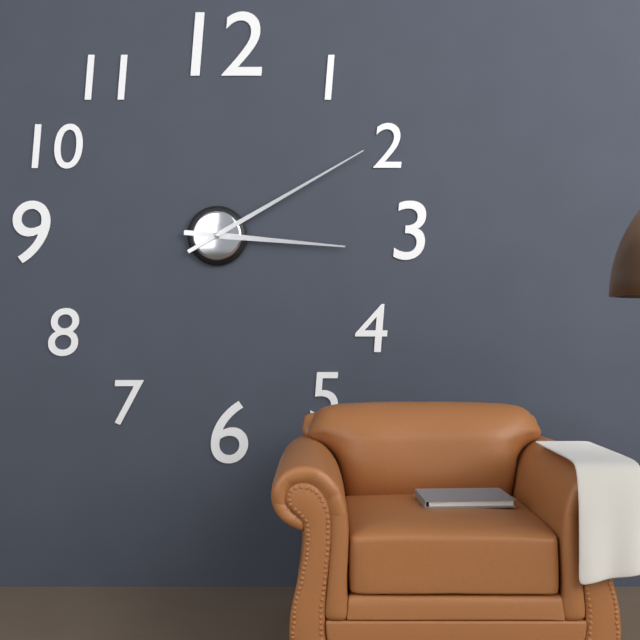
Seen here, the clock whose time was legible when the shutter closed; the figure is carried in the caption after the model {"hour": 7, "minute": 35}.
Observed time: {"hour": 3, "minute": 10}
